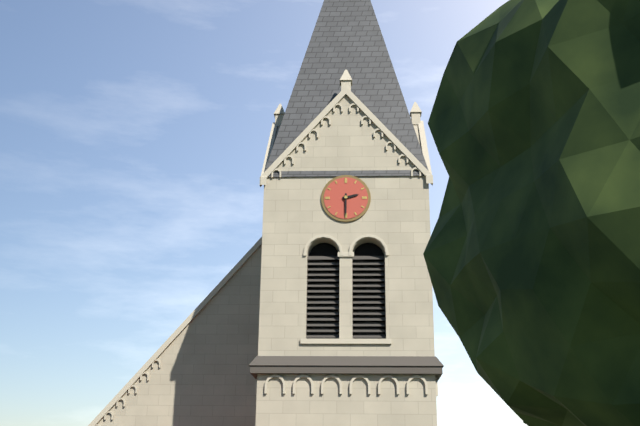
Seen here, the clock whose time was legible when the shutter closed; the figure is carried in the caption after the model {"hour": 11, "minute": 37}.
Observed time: {"hour": 2, "minute": 30}
